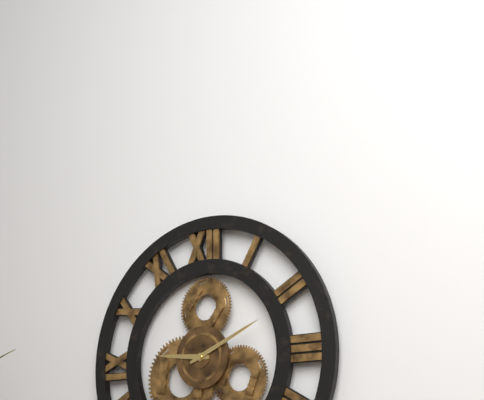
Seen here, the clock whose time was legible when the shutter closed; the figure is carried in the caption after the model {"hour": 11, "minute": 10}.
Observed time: {"hour": 9, "minute": 11}
